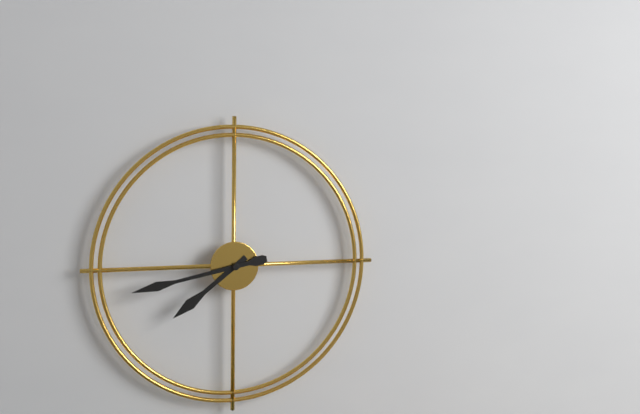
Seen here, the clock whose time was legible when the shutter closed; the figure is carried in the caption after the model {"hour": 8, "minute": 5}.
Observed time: {"hour": 7, "minute": 43}
